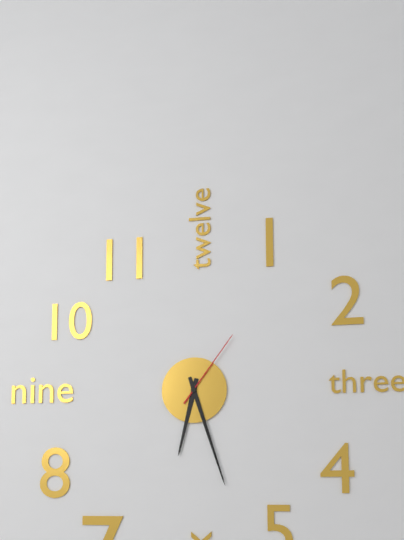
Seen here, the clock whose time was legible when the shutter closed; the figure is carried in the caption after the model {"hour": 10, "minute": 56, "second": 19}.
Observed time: {"hour": 6, "minute": 27, "second": 6}
